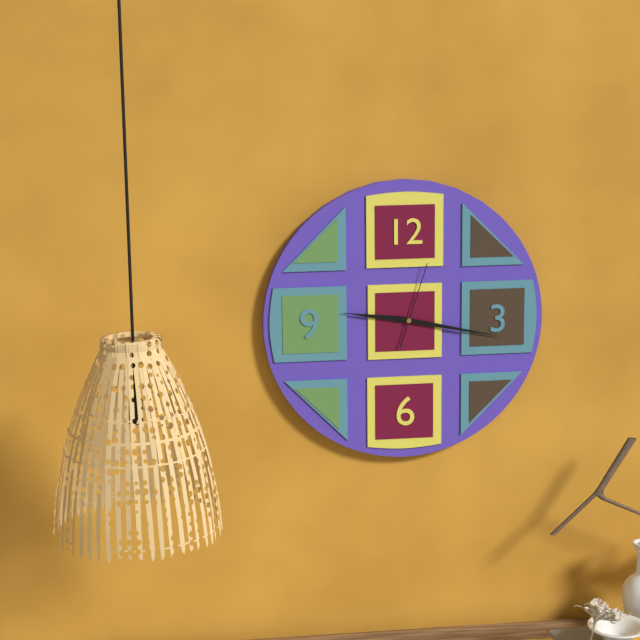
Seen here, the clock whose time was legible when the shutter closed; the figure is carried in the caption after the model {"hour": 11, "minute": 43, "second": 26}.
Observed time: {"hour": 9, "minute": 17, "second": 3}
